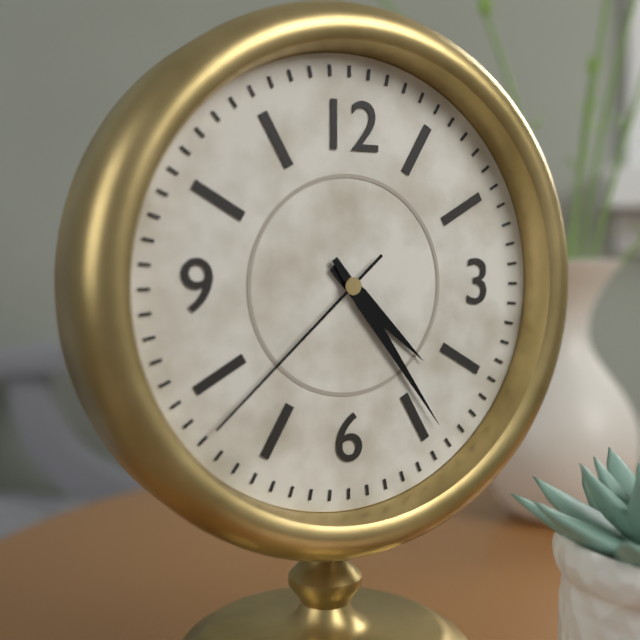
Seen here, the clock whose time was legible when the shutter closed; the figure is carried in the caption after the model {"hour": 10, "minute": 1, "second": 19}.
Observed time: {"hour": 4, "minute": 24, "second": 38}
